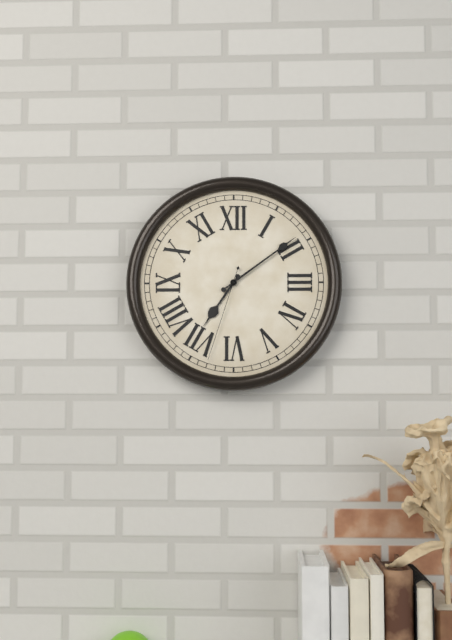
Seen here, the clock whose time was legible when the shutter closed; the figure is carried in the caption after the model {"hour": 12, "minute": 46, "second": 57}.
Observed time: {"hour": 7, "minute": 9, "second": 33}
